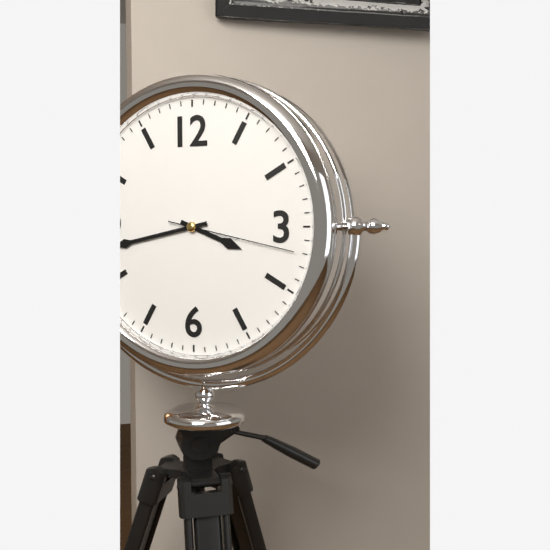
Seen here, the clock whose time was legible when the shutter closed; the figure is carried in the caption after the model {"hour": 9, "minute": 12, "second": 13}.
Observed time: {"hour": 3, "minute": 43, "second": 17}
